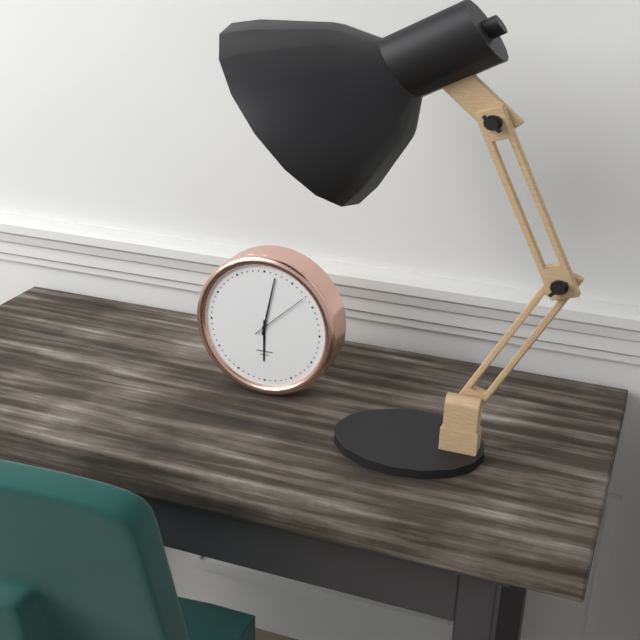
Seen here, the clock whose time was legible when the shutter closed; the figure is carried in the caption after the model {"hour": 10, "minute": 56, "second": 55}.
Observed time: {"hour": 6, "minute": 2, "second": 8}
